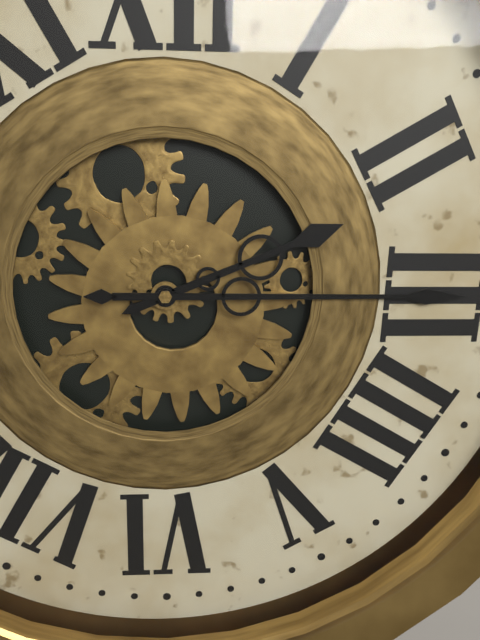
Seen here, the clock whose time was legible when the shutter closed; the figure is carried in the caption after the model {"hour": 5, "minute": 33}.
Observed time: {"hour": 2, "minute": 15}
